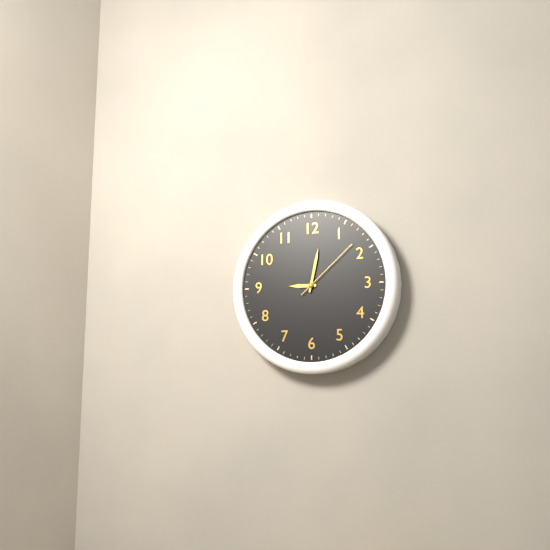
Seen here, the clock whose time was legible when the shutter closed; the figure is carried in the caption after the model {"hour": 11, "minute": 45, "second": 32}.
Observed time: {"hour": 9, "minute": 2, "second": 8}
